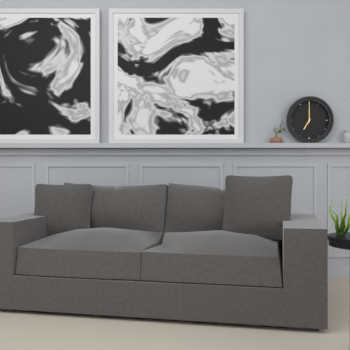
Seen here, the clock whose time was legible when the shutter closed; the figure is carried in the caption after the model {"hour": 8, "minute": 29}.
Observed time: {"hour": 7, "minute": 0}
